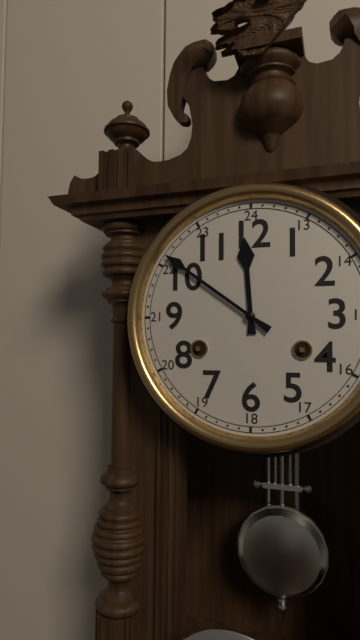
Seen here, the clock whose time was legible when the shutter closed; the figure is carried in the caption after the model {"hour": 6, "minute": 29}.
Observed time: {"hour": 11, "minute": 51}
